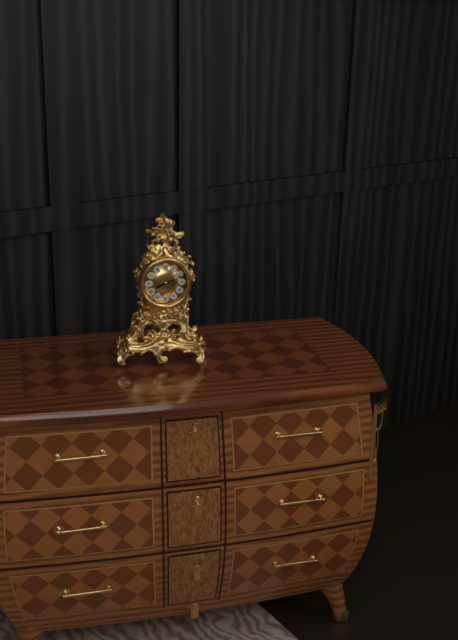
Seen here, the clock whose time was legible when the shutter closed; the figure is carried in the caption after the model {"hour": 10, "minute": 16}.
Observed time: {"hour": 8, "minute": 11}
